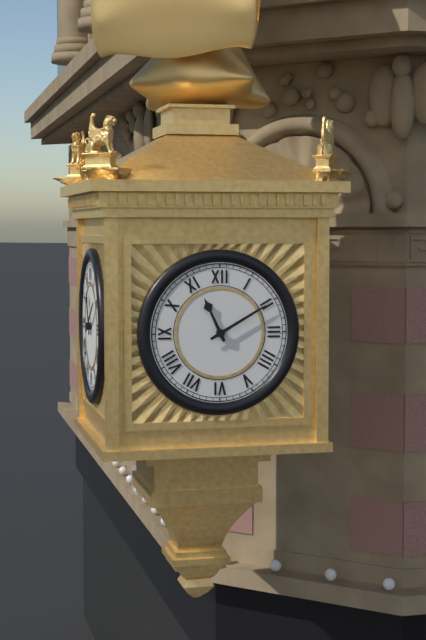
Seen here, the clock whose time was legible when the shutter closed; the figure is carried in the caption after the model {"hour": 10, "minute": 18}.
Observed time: {"hour": 11, "minute": 10}
